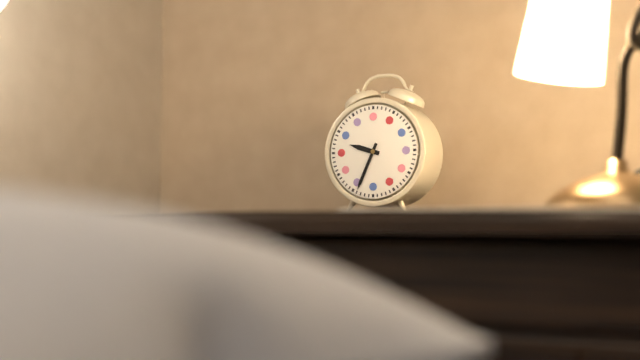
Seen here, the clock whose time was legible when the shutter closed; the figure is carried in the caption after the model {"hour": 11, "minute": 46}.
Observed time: {"hour": 9, "minute": 34}
